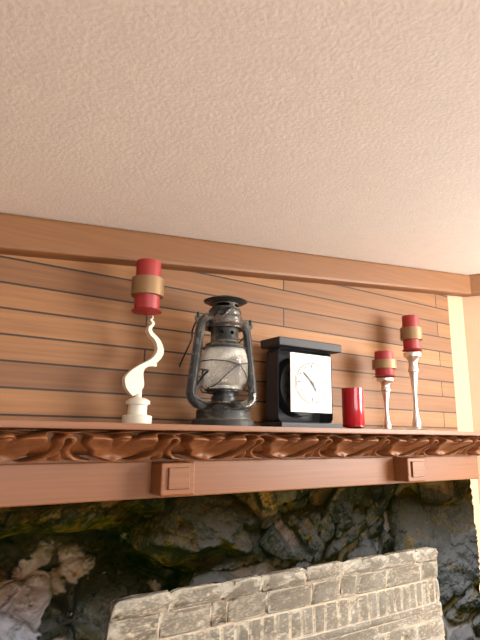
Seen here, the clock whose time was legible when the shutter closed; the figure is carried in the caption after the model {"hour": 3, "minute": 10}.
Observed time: {"hour": 4, "minute": 52}
